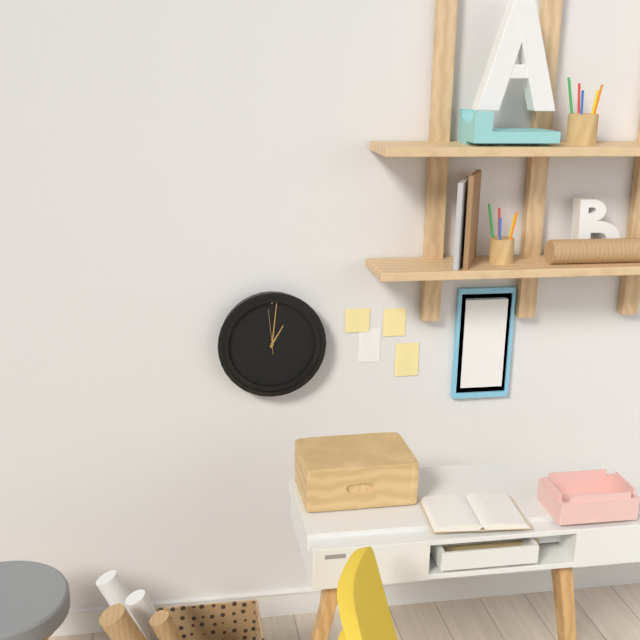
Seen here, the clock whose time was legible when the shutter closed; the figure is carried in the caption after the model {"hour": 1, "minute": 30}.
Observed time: {"hour": 1, "minute": 1}
